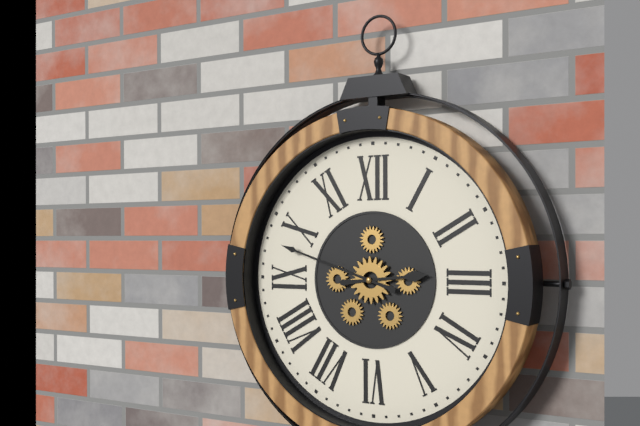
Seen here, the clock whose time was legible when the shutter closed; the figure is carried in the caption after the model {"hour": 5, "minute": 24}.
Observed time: {"hour": 2, "minute": 48}
